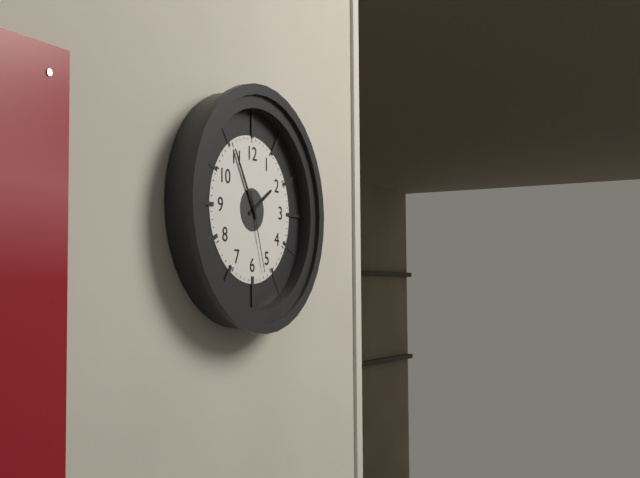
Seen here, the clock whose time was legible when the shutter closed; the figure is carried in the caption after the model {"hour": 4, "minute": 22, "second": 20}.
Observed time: {"hour": 1, "minute": 55, "second": 27}
